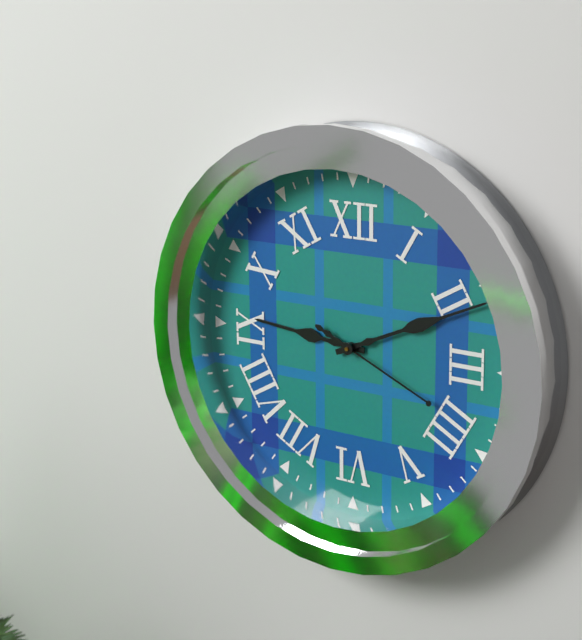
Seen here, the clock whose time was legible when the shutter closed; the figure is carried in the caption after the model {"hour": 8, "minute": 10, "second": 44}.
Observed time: {"hour": 9, "minute": 11, "second": 19}
